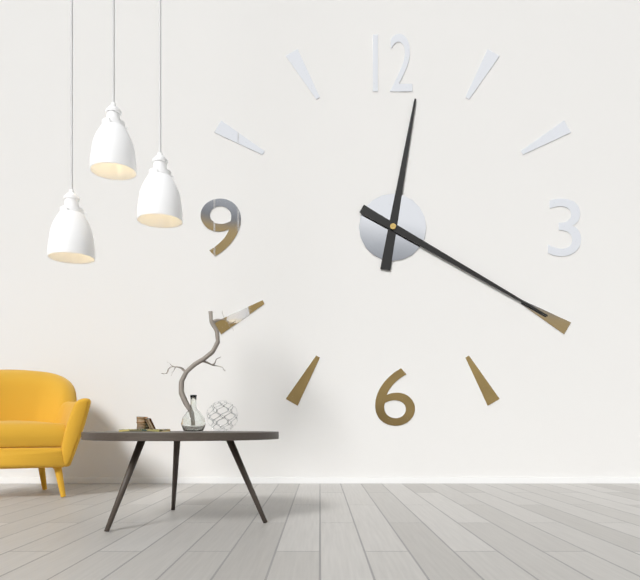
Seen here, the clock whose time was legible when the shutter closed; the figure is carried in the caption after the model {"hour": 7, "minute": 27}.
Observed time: {"hour": 12, "minute": 20}
